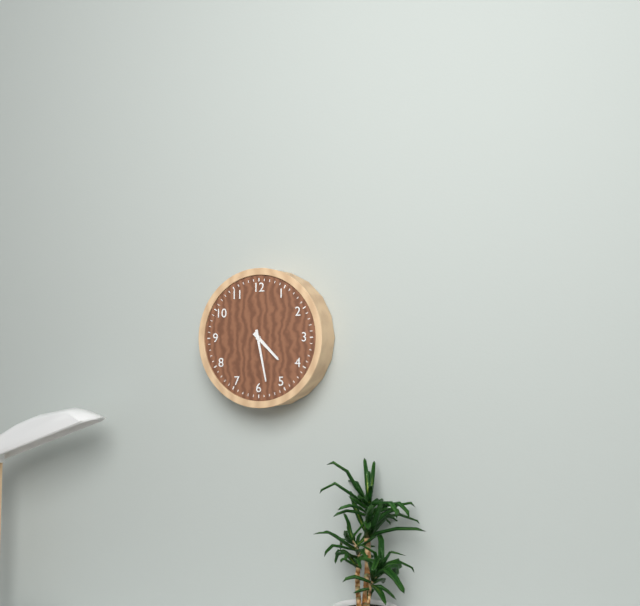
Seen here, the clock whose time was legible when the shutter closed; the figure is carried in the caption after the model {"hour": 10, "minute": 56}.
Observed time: {"hour": 4, "minute": 28}
